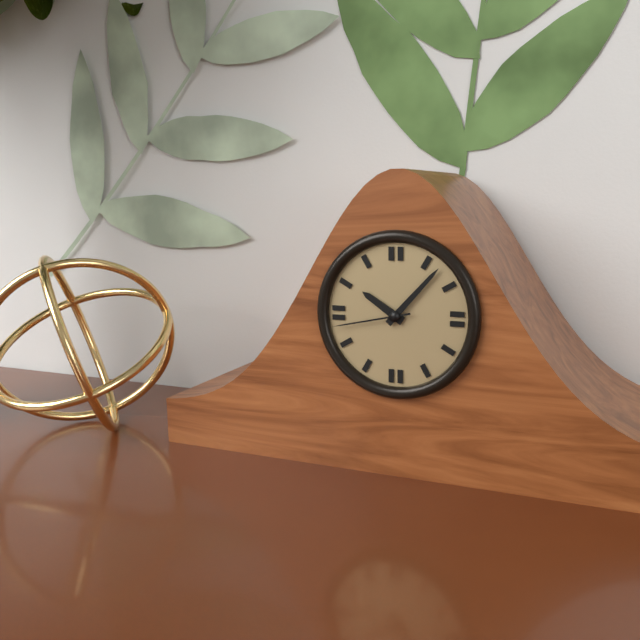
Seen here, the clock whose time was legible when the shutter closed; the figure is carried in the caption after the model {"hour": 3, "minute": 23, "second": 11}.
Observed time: {"hour": 10, "minute": 7, "second": 43}
